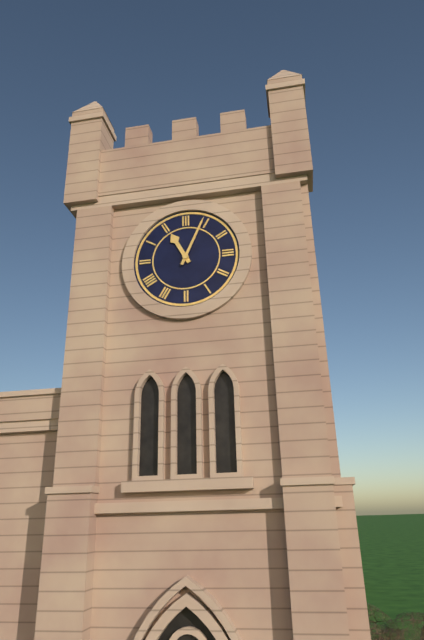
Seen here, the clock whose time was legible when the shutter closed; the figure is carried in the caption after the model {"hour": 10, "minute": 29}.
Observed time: {"hour": 11, "minute": 4}
